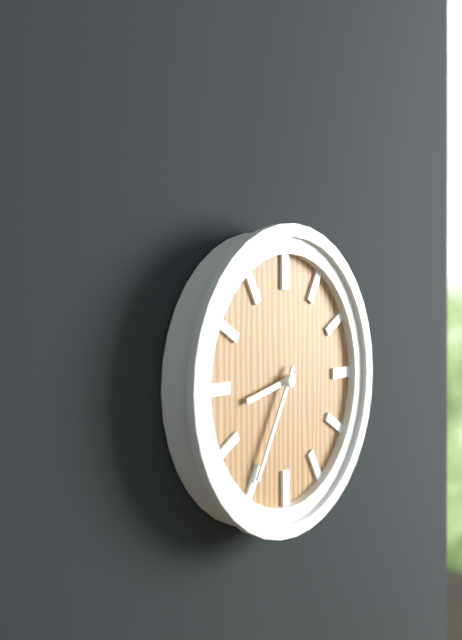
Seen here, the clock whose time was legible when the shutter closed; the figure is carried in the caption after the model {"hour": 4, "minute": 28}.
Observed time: {"hour": 8, "minute": 35}
